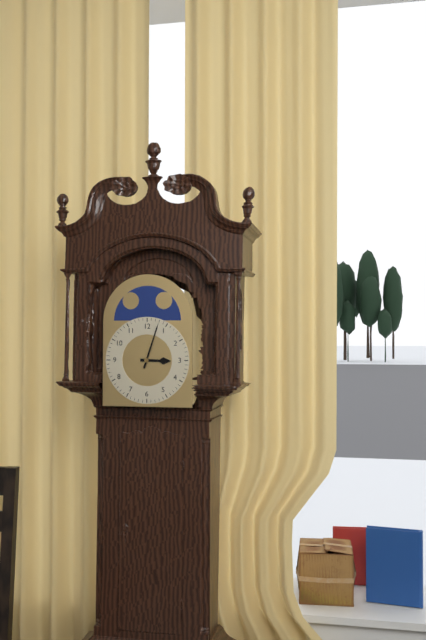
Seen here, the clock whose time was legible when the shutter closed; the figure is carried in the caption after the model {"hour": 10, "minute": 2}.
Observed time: {"hour": 3, "minute": 3}
